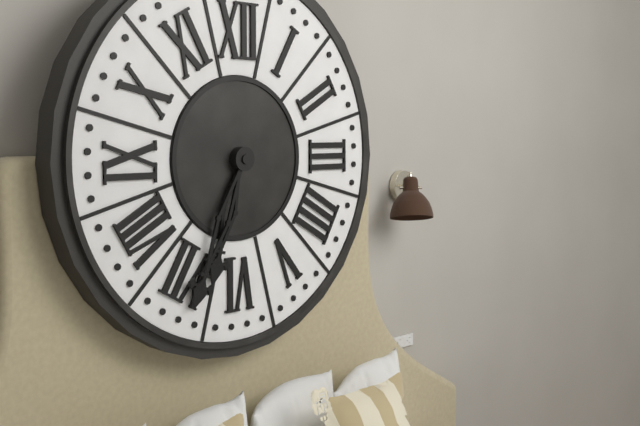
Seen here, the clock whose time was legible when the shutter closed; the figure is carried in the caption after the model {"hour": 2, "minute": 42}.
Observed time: {"hour": 6, "minute": 34}
